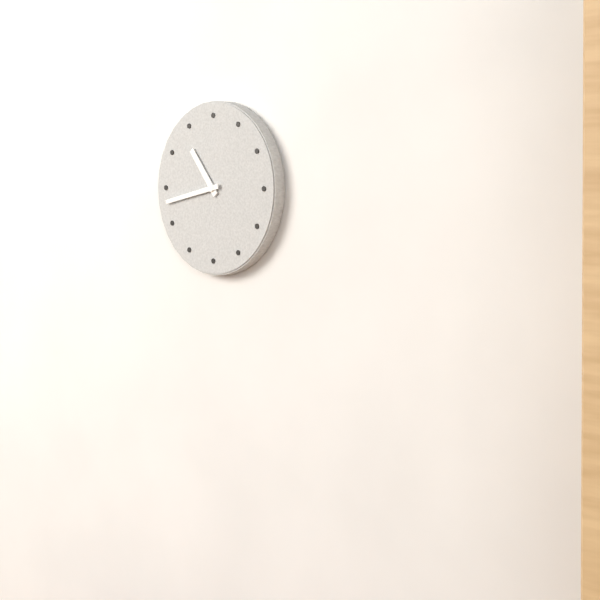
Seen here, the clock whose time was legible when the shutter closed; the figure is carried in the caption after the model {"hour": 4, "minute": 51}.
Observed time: {"hour": 10, "minute": 43}
